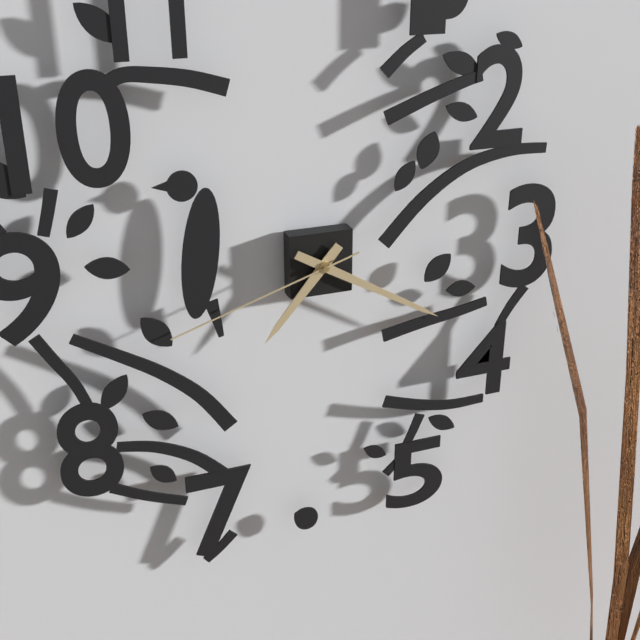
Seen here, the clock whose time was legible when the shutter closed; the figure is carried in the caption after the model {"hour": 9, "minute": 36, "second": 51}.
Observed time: {"hour": 7, "minute": 20, "second": 42}
